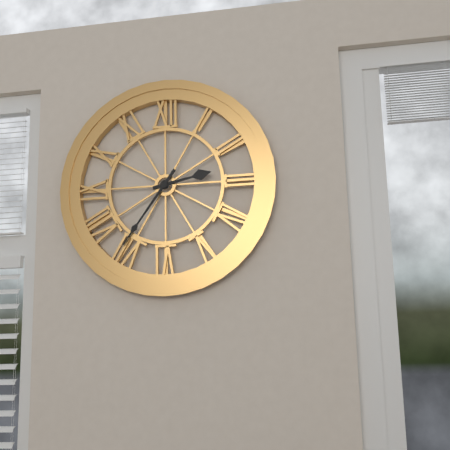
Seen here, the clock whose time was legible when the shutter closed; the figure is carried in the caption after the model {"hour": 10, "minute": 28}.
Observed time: {"hour": 2, "minute": 36}
